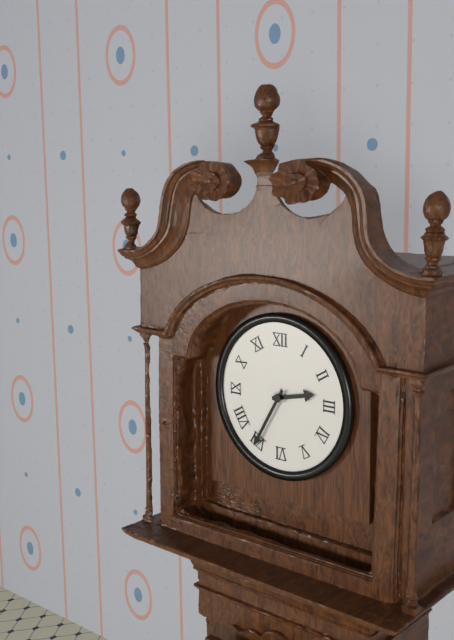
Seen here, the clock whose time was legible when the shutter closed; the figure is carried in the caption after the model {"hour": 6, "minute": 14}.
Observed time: {"hour": 2, "minute": 35}
